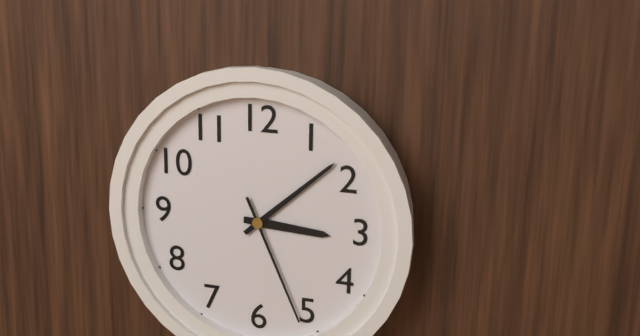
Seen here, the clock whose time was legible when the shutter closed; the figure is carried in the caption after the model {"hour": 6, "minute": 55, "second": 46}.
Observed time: {"hour": 3, "minute": 8, "second": 26}
